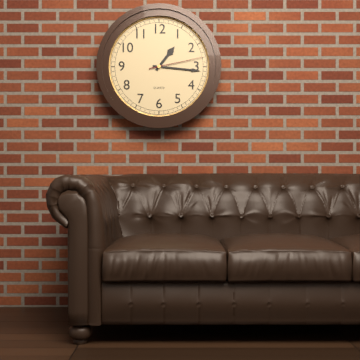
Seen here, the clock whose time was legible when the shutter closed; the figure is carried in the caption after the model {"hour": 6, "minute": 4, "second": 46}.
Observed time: {"hour": 1, "minute": 16, "second": 13}
